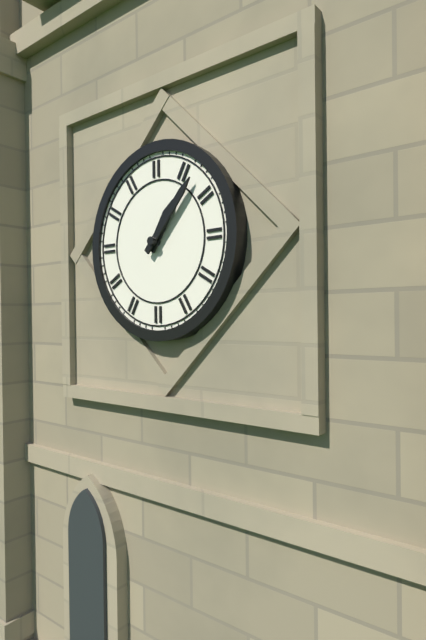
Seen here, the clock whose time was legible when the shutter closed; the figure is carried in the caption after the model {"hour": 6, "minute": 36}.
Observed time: {"hour": 1, "minute": 7}
